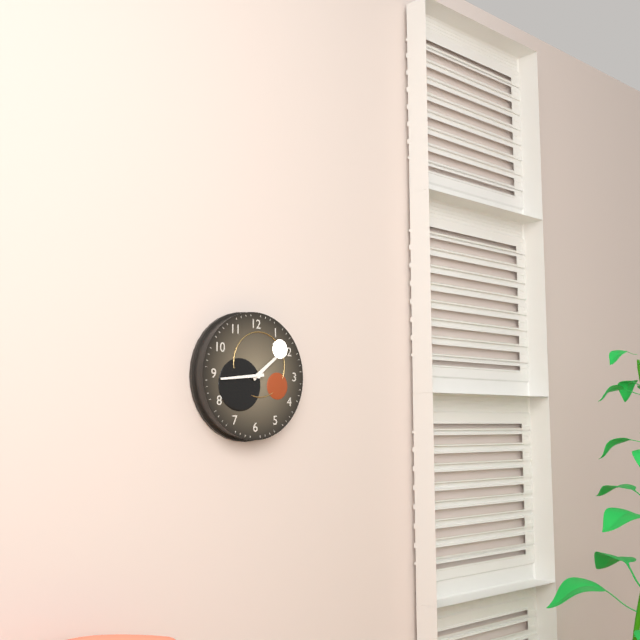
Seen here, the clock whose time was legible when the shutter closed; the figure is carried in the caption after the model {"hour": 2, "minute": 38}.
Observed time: {"hour": 1, "minute": 44}
